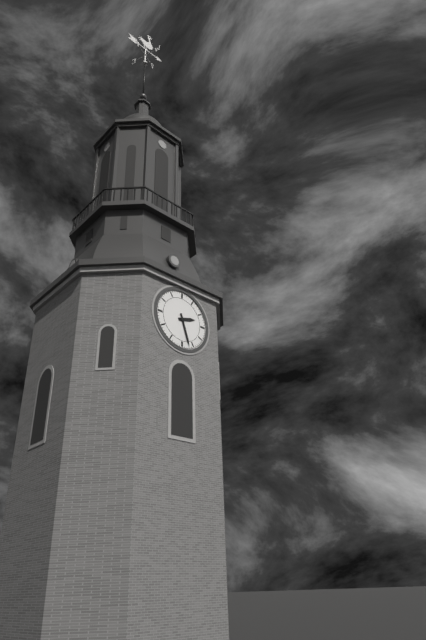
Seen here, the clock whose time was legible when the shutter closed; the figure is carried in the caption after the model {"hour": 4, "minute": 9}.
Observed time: {"hour": 2, "minute": 27}
